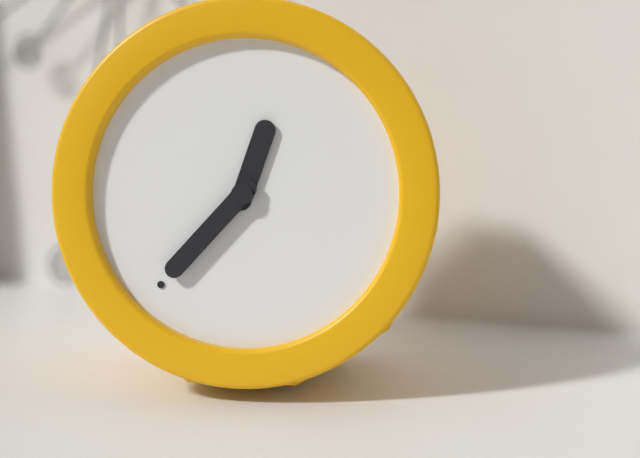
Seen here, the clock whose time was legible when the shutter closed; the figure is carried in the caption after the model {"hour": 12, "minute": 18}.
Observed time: {"hour": 12, "minute": 37}
